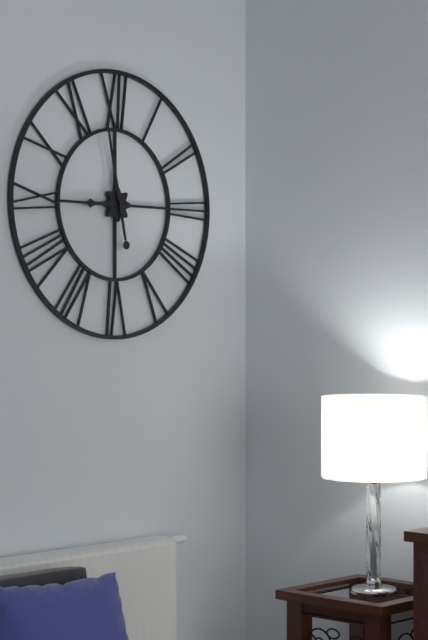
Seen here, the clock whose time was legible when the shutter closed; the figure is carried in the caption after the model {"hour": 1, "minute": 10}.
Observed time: {"hour": 8, "minute": 58}
